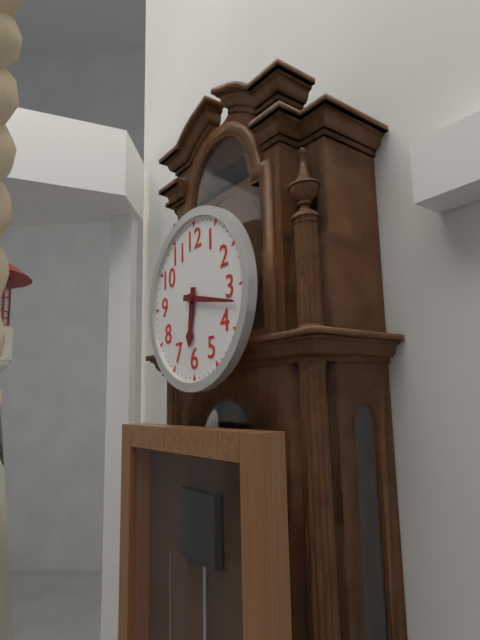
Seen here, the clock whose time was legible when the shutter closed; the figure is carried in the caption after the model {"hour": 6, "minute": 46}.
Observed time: {"hour": 6, "minute": 17}
